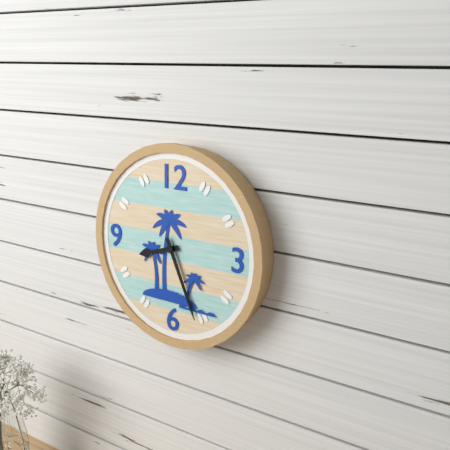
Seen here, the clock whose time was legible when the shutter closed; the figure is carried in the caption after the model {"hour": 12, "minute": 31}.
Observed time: {"hour": 8, "minute": 26}
